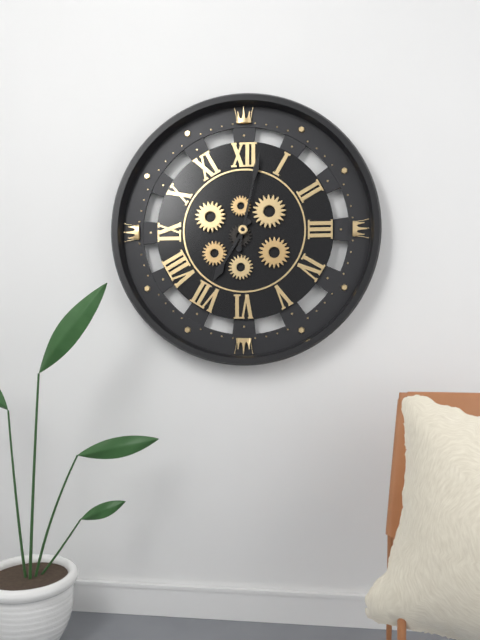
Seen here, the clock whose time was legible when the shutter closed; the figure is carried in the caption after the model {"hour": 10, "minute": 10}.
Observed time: {"hour": 7, "minute": 2}
